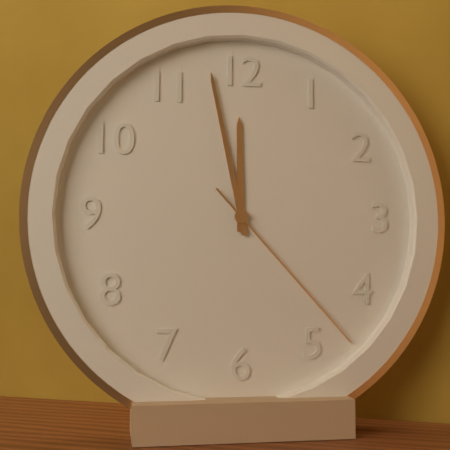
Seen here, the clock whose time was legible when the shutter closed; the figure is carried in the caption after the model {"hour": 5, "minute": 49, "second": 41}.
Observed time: {"hour": 11, "minute": 58, "second": 23}
